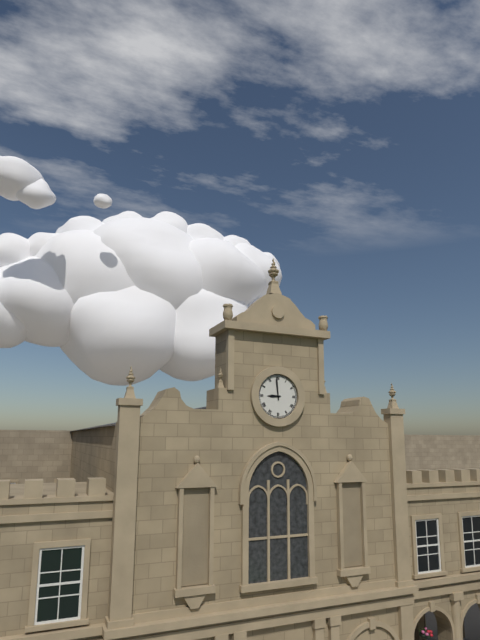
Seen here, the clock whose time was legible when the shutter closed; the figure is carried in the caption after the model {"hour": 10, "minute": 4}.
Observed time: {"hour": 8, "minute": 59}
